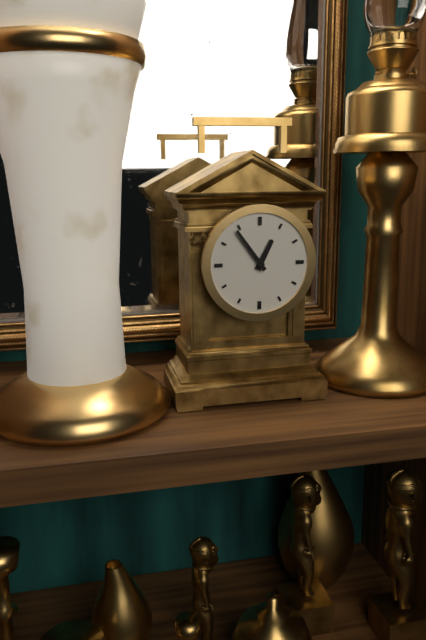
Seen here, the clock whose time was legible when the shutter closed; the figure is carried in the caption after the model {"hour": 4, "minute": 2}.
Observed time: {"hour": 12, "minute": 54}
